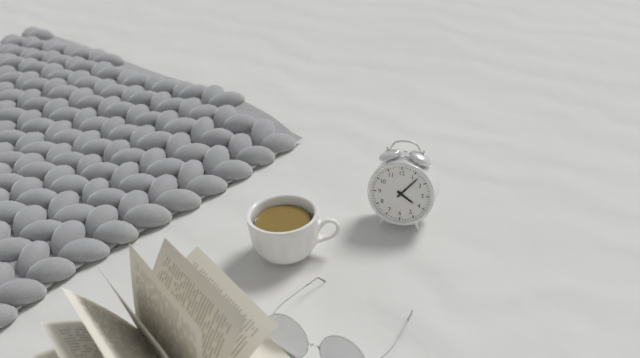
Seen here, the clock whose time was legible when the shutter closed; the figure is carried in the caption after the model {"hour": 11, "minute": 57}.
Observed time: {"hour": 4, "minute": 7}
